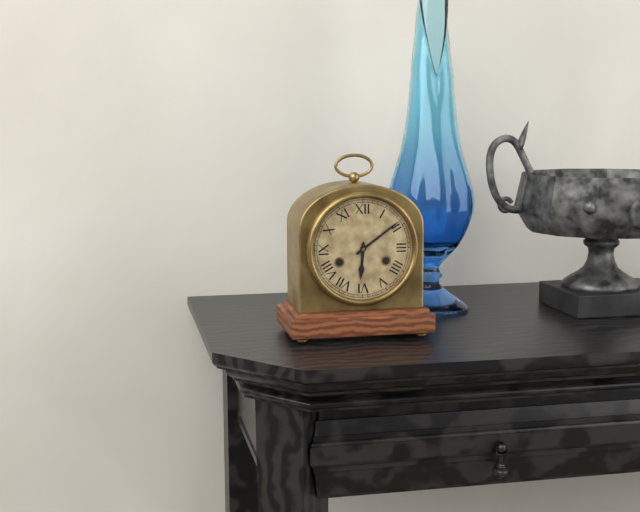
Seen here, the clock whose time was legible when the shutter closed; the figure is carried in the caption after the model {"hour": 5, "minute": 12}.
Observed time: {"hour": 6, "minute": 9}
